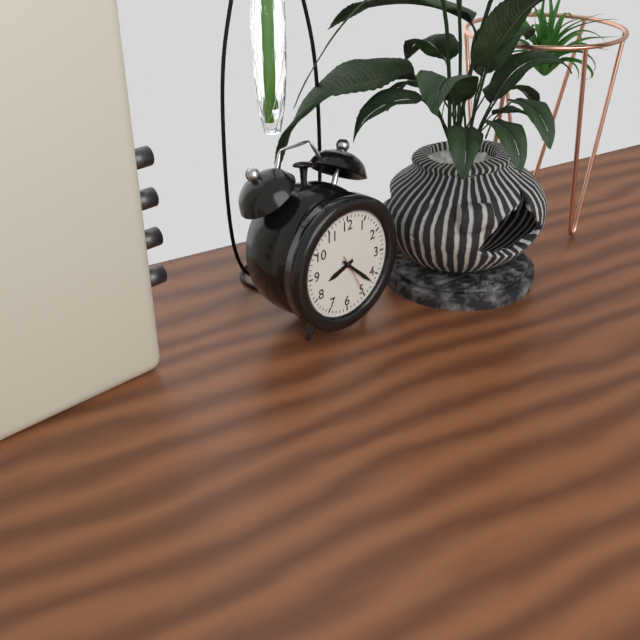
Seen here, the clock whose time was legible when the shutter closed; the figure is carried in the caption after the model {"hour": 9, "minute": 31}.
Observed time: {"hour": 8, "minute": 22}
